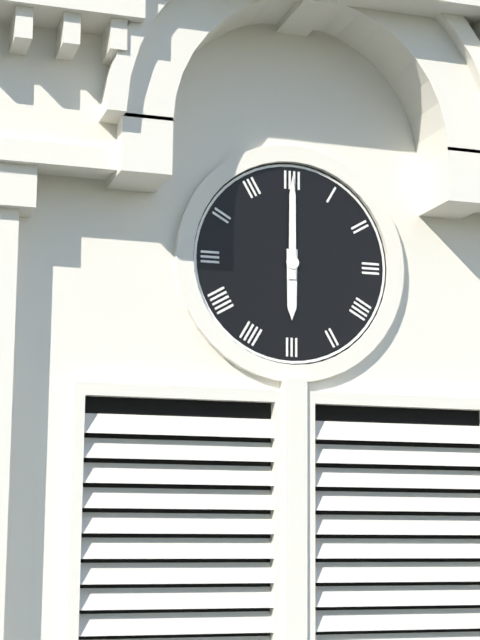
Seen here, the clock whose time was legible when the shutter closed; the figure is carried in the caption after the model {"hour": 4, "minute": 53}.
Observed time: {"hour": 6, "minute": 0}
